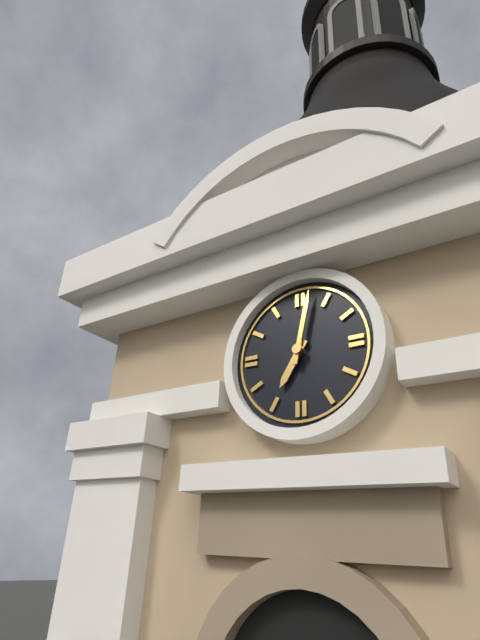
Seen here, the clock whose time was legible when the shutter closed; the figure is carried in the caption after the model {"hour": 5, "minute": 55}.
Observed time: {"hour": 7, "minute": 2}
